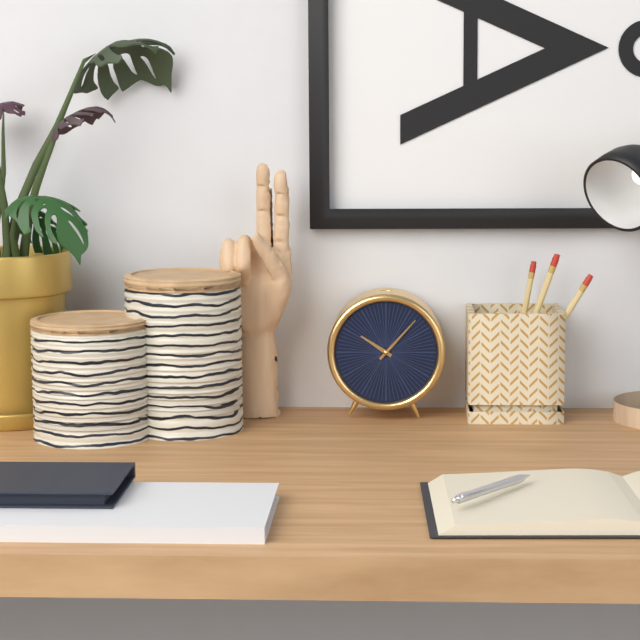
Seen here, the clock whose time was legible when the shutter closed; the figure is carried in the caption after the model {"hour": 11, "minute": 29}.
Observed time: {"hour": 10, "minute": 7}
